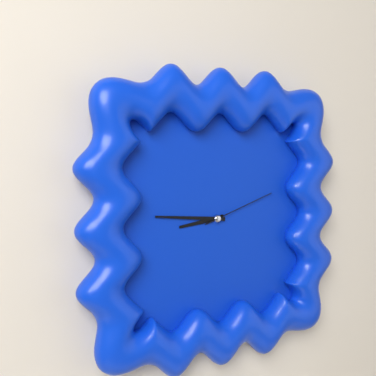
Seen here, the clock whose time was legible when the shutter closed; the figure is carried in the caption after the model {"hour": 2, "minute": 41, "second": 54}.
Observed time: {"hour": 8, "minute": 46, "second": 12}
